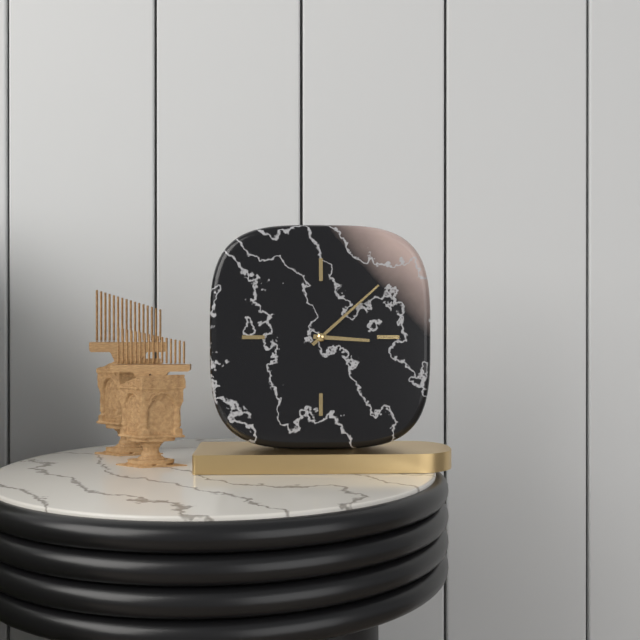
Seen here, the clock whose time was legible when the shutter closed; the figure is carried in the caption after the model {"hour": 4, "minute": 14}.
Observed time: {"hour": 3, "minute": 8}
